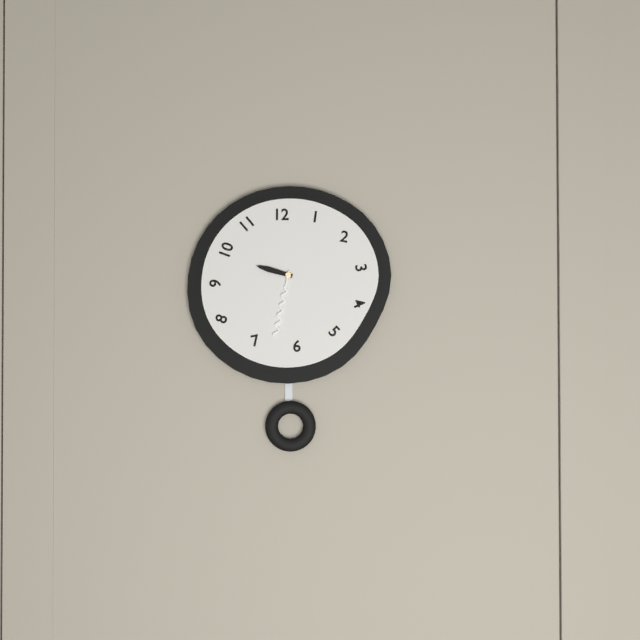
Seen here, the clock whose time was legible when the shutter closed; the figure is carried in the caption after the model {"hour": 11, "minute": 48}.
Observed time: {"hour": 9, "minute": 32}
